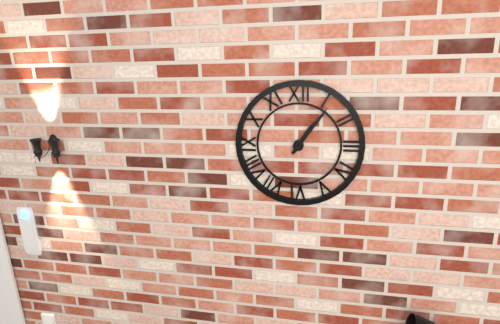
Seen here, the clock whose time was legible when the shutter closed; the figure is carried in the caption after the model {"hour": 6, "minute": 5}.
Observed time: {"hour": 1, "minute": 6}
